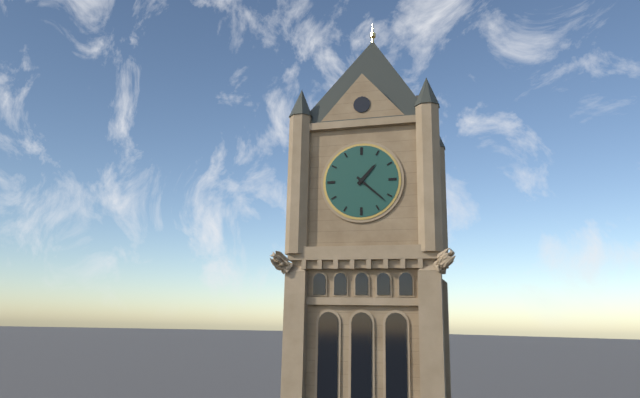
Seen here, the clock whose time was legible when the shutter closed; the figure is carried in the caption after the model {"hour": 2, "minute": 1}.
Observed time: {"hour": 1, "minute": 22}
